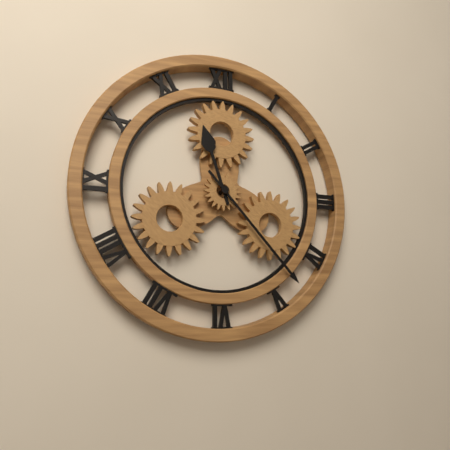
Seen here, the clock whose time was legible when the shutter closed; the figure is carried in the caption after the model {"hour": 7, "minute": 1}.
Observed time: {"hour": 11, "minute": 23}
